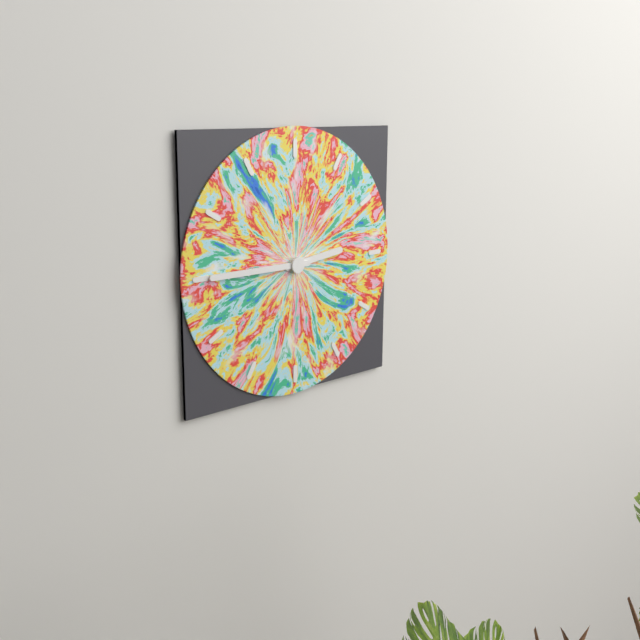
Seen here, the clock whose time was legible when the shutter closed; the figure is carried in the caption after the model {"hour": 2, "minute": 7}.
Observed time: {"hour": 2, "minute": 45}
